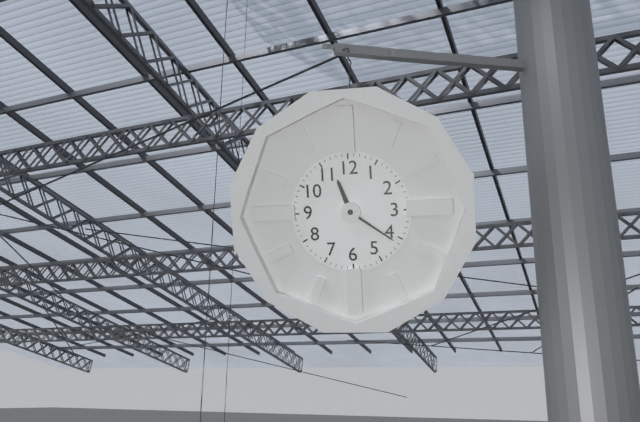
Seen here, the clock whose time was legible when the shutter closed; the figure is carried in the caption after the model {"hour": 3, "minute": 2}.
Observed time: {"hour": 11, "minute": 21}
